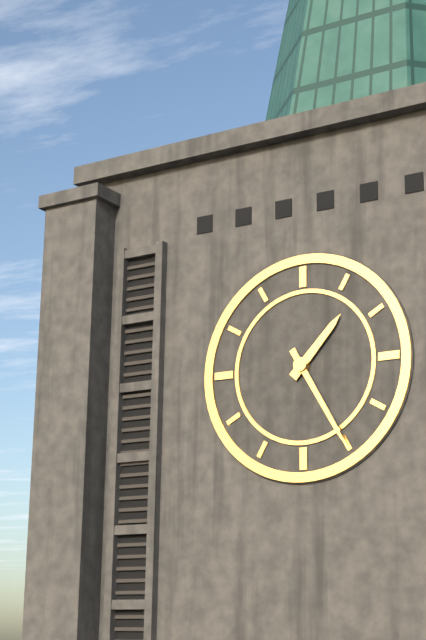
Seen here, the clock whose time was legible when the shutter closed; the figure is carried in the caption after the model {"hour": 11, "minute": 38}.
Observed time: {"hour": 1, "minute": 25}
